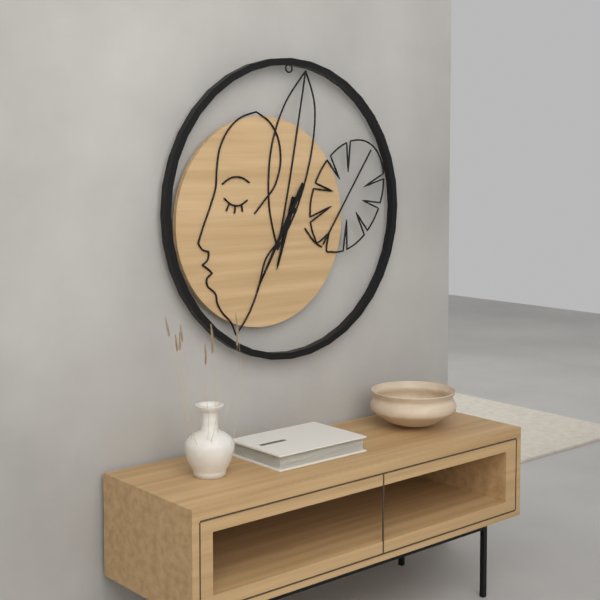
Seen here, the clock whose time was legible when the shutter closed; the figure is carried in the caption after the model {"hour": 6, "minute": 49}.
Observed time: {"hour": 6, "minute": 35}
